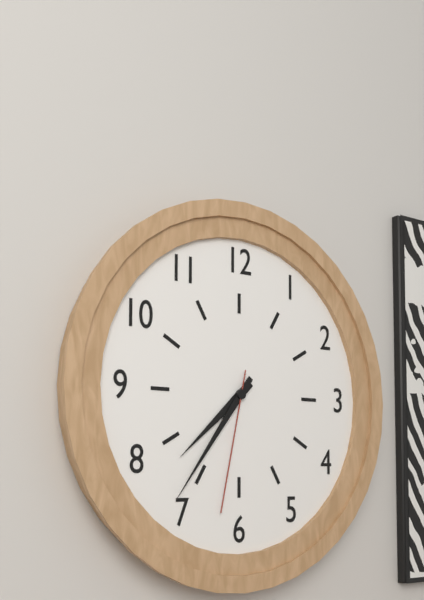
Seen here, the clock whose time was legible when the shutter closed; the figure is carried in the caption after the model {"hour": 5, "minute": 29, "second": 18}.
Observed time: {"hour": 7, "minute": 36, "second": 32}
